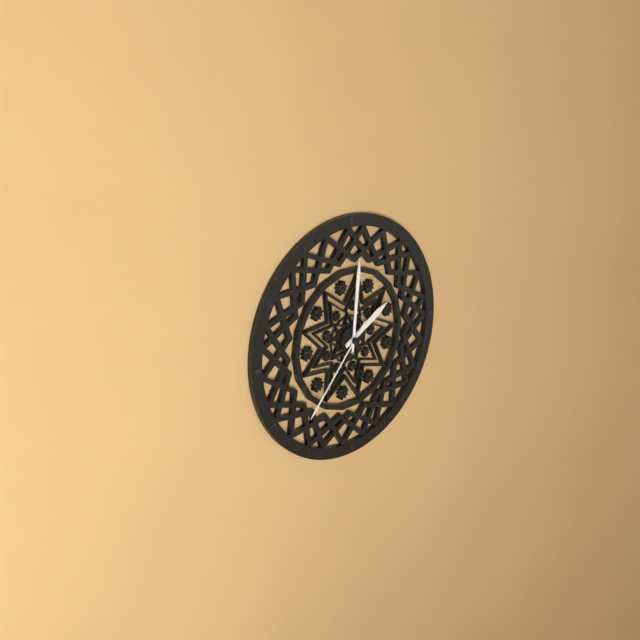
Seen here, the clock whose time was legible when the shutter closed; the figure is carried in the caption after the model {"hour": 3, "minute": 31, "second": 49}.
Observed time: {"hour": 2, "minute": 1, "second": 37}
